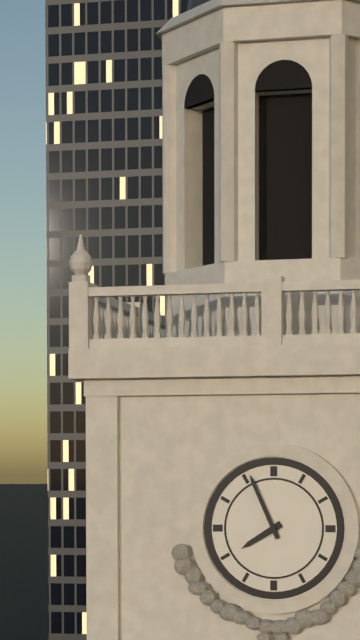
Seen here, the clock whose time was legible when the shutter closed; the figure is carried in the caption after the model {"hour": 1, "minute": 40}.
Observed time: {"hour": 7, "minute": 56}
